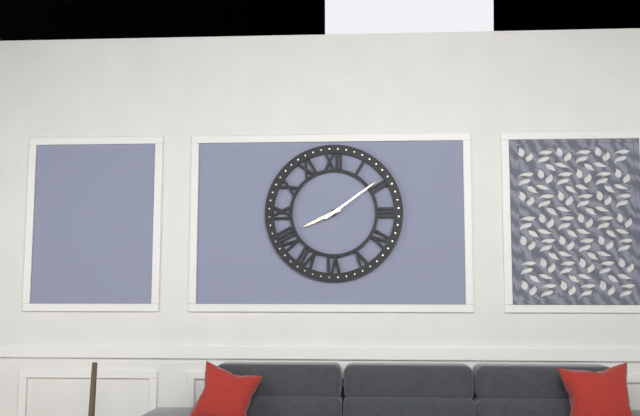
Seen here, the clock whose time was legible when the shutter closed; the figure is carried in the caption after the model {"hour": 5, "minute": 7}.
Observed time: {"hour": 8, "minute": 9}
